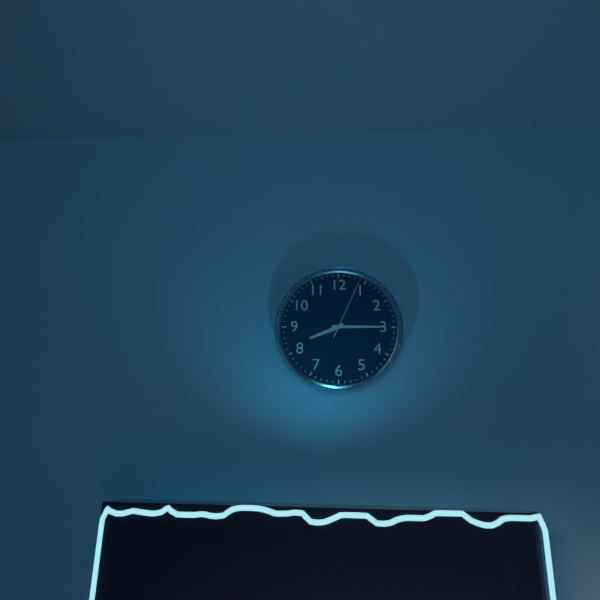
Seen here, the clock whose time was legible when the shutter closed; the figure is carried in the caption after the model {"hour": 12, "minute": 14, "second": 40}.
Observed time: {"hour": 8, "minute": 15, "second": 4}
